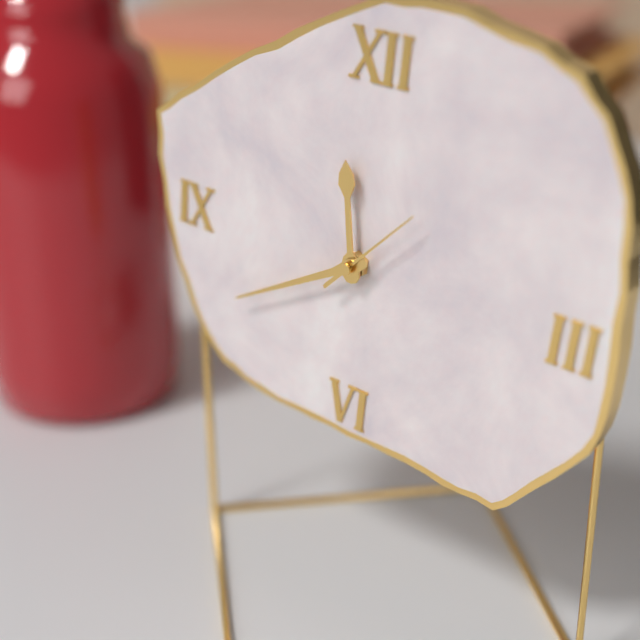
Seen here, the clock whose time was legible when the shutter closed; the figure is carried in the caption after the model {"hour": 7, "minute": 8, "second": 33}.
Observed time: {"hour": 11, "minute": 40, "second": 7}
